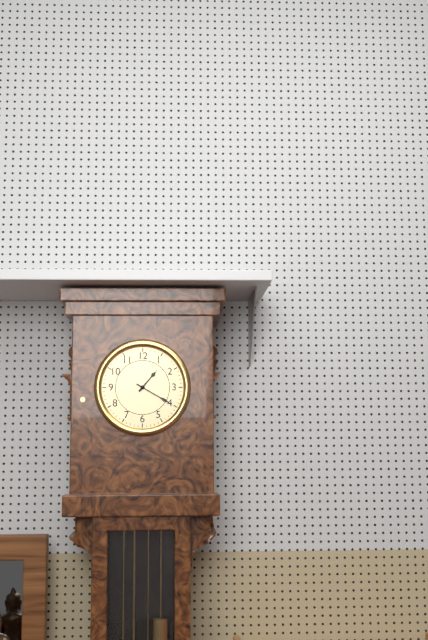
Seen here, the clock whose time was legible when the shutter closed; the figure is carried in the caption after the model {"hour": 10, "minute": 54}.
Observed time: {"hour": 1, "minute": 20}
